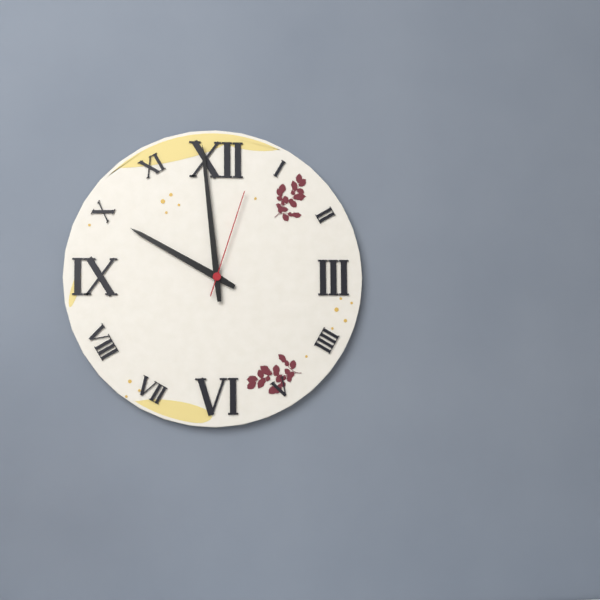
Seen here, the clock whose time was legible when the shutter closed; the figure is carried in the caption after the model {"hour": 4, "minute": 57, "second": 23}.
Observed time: {"hour": 9, "minute": 59, "second": 3}
